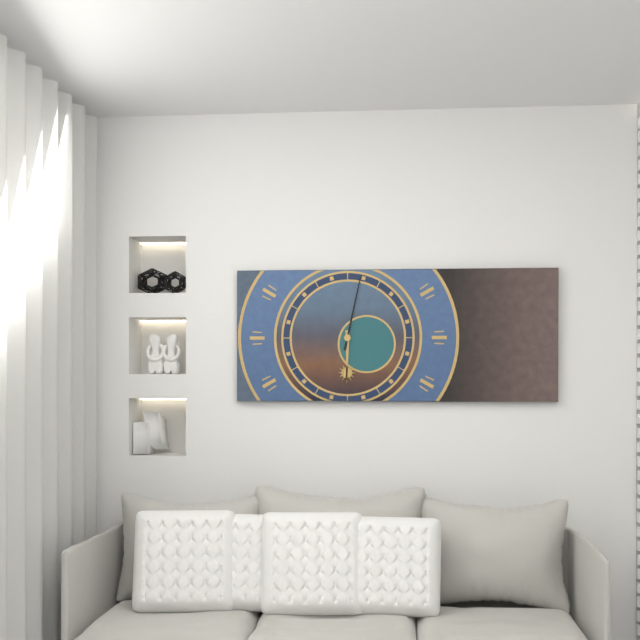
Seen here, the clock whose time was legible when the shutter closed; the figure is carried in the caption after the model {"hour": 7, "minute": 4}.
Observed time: {"hour": 6, "minute": 2}
